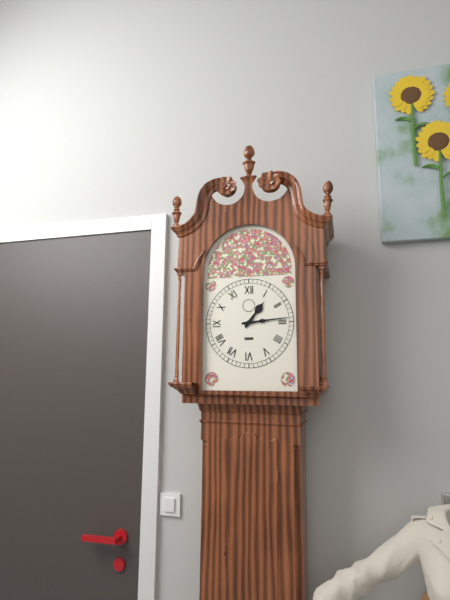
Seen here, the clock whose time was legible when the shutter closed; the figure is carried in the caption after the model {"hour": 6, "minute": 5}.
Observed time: {"hour": 1, "minute": 14}
